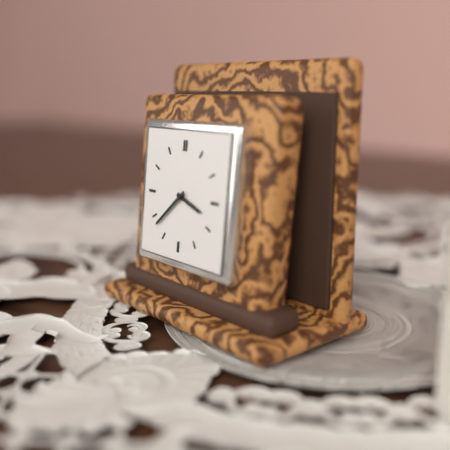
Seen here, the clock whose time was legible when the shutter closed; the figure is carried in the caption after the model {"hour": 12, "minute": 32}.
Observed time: {"hour": 3, "minute": 38}
